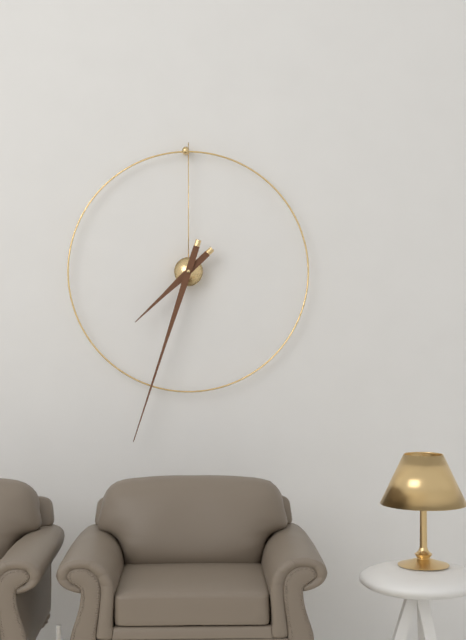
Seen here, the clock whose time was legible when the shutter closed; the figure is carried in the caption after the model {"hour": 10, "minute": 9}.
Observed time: {"hour": 7, "minute": 33}
